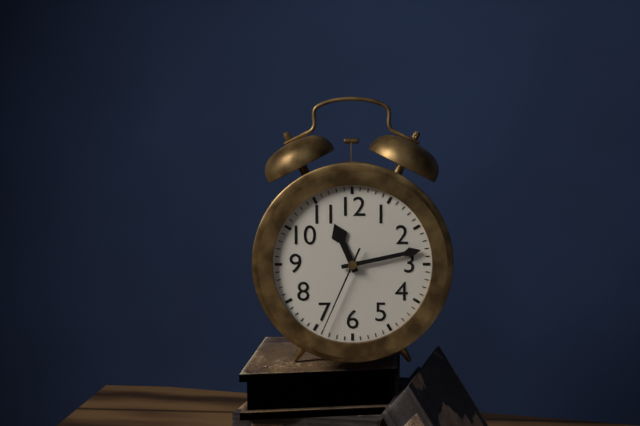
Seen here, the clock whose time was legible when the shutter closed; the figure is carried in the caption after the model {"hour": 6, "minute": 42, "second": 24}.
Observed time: {"hour": 11, "minute": 13, "second": 34}
